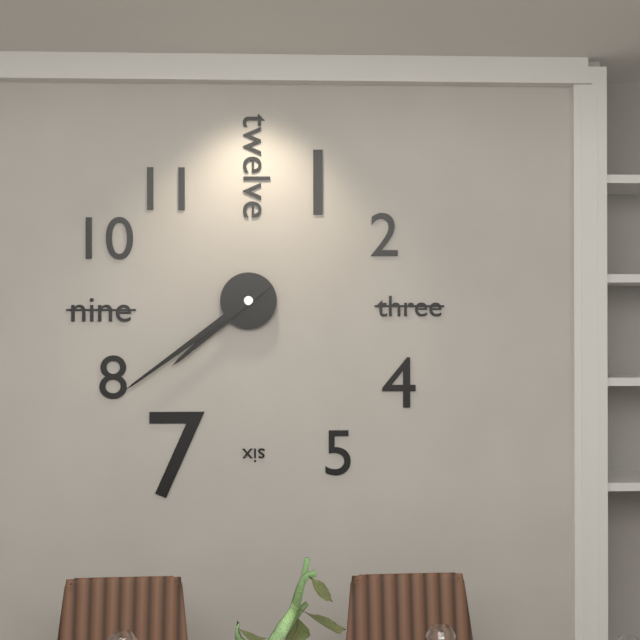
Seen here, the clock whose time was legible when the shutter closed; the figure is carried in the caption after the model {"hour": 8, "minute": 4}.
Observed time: {"hour": 7, "minute": 39}
